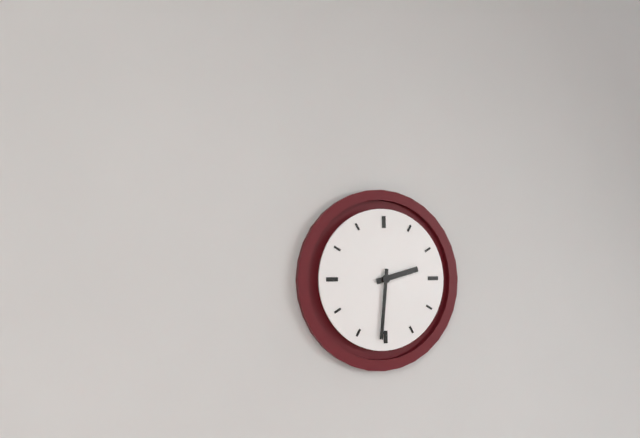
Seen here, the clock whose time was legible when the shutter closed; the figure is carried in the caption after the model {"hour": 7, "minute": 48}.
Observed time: {"hour": 2, "minute": 31}
